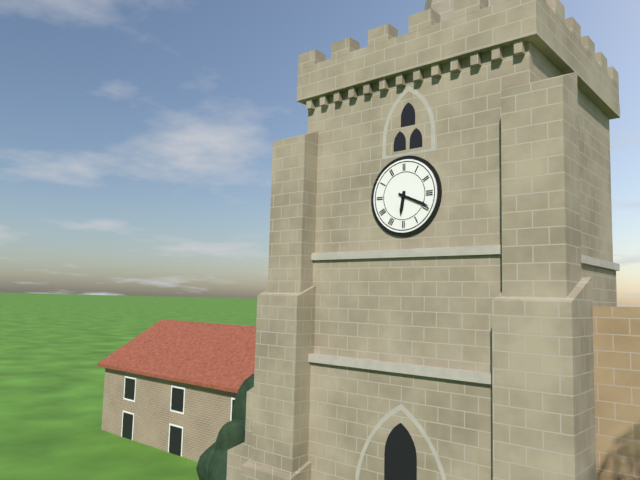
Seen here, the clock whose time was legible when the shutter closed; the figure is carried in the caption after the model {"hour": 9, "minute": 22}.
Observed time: {"hour": 6, "minute": 19}
